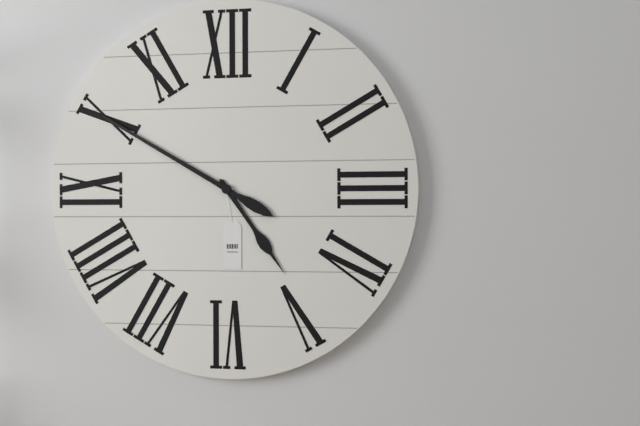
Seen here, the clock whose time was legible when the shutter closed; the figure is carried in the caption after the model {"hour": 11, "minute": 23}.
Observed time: {"hour": 4, "minute": 50}
